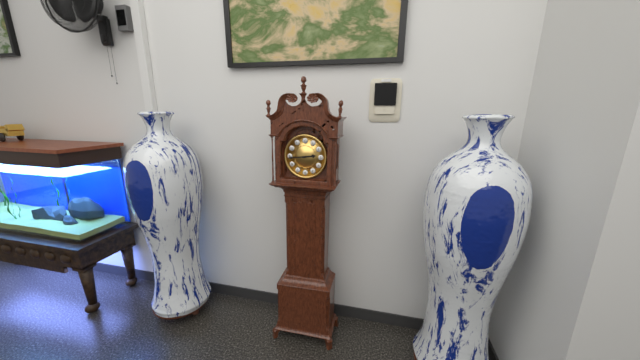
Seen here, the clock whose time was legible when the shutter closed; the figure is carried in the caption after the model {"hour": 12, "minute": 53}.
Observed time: {"hour": 2, "minute": 44}
